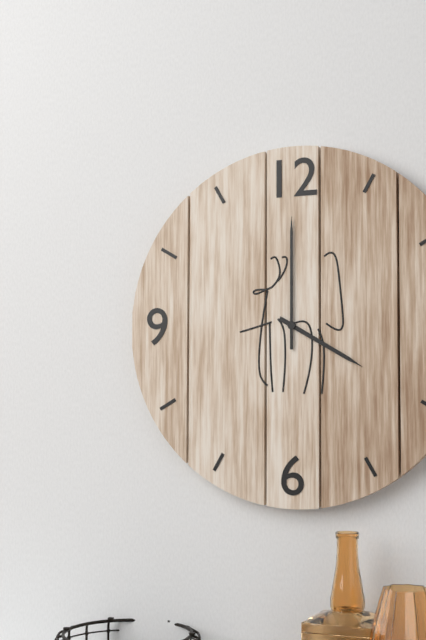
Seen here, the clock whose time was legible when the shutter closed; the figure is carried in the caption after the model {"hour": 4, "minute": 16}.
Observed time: {"hour": 4, "minute": 0}
